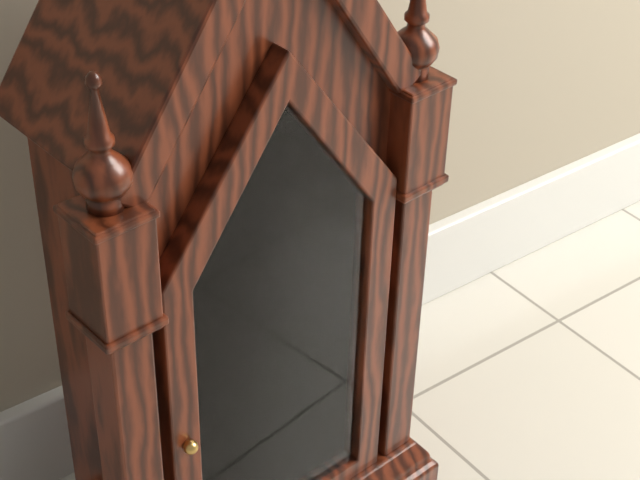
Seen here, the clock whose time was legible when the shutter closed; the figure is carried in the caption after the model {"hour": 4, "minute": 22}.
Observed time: {"hour": 12, "minute": 17}
